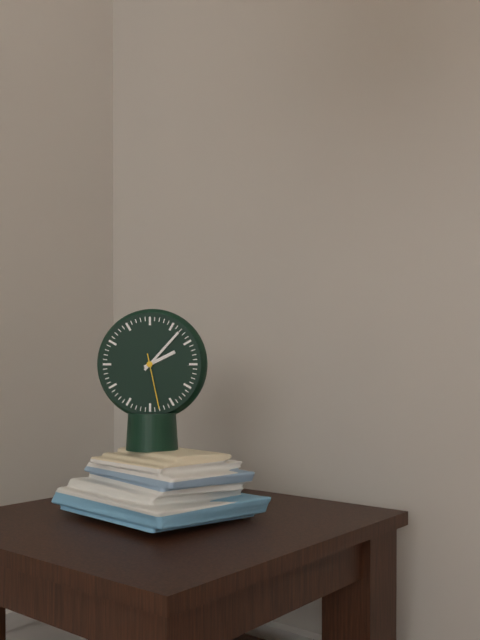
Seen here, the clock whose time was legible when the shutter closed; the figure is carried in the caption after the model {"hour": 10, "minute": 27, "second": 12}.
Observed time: {"hour": 2, "minute": 7, "second": 28}
